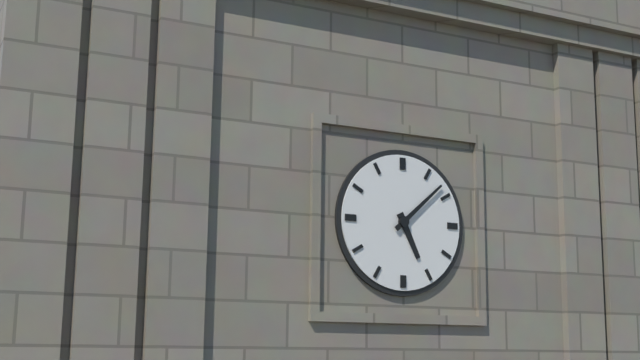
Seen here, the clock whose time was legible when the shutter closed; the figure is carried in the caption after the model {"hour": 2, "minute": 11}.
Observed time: {"hour": 5, "minute": 8}
